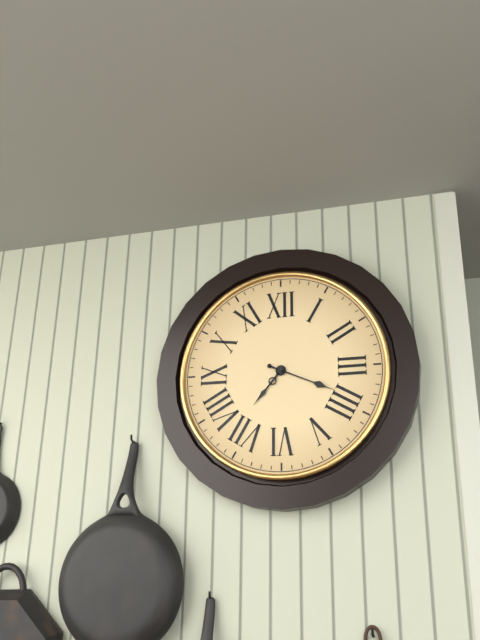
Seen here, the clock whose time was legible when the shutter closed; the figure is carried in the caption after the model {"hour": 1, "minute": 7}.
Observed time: {"hour": 7, "minute": 19}
